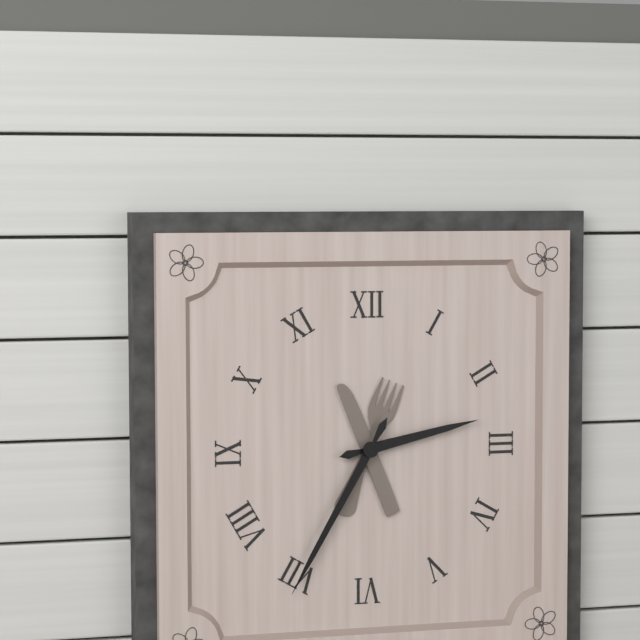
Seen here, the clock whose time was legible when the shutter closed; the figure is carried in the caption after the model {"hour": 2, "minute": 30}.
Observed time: {"hour": 2, "minute": 35}
